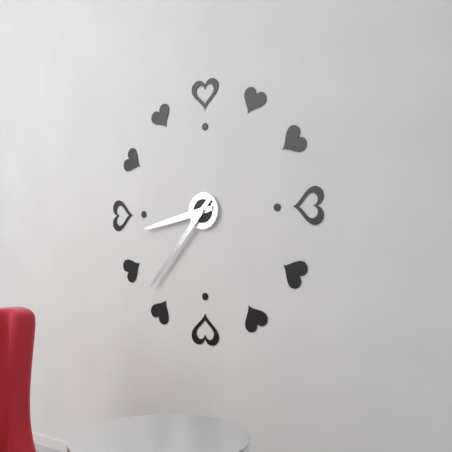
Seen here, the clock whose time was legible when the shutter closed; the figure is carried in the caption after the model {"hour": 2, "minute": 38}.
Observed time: {"hour": 8, "minute": 37}
